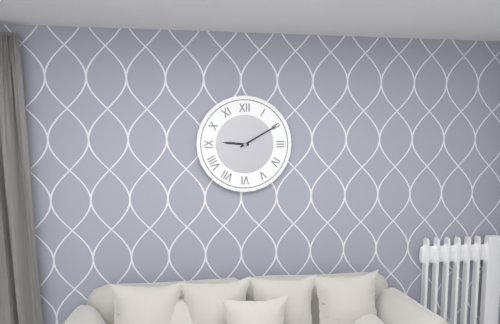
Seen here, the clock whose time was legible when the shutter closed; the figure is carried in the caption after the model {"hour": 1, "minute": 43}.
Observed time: {"hour": 9, "minute": 10}
